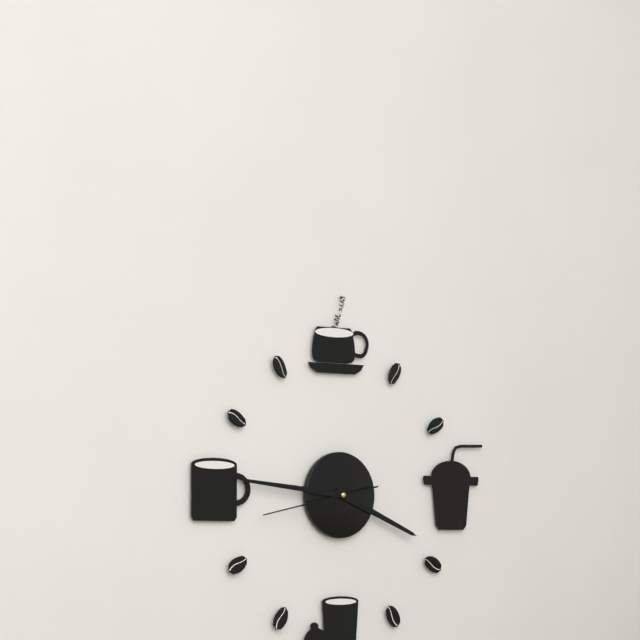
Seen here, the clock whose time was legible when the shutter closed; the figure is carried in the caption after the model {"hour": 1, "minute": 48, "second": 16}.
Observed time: {"hour": 3, "minute": 46, "second": 43}
